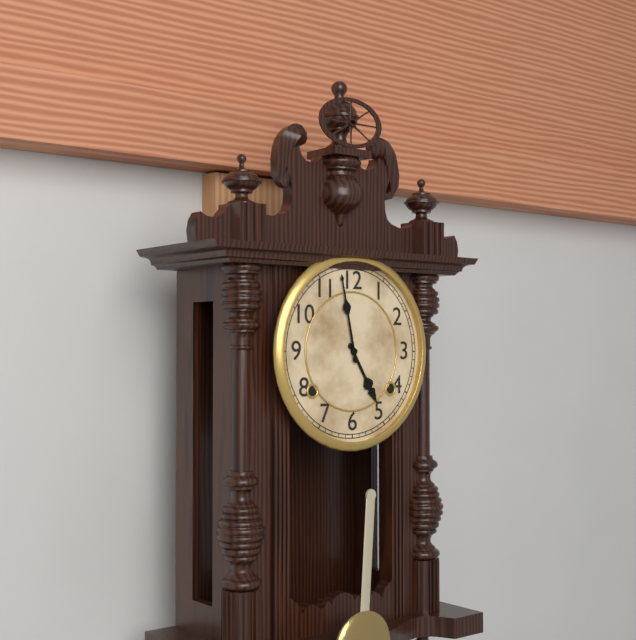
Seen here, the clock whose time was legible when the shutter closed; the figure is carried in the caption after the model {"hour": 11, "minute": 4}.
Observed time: {"hour": 4, "minute": 58}
